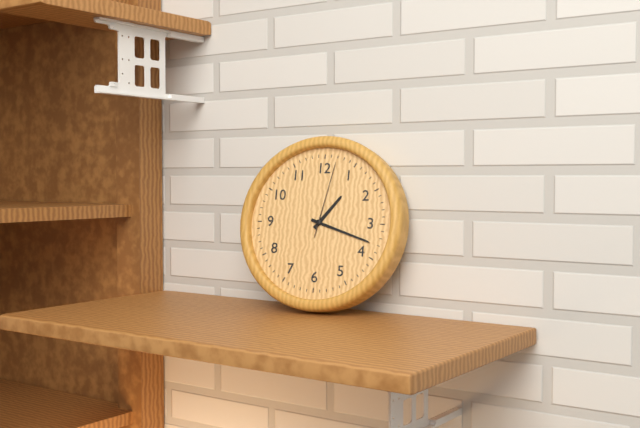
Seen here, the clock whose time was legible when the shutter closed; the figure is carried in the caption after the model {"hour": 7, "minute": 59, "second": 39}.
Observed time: {"hour": 1, "minute": 18, "second": 2}
